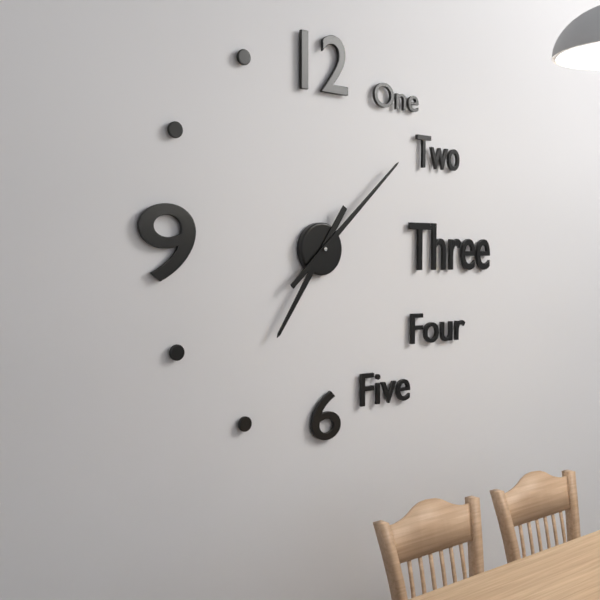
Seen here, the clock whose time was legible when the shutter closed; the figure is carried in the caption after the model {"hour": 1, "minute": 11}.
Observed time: {"hour": 7, "minute": 8}
